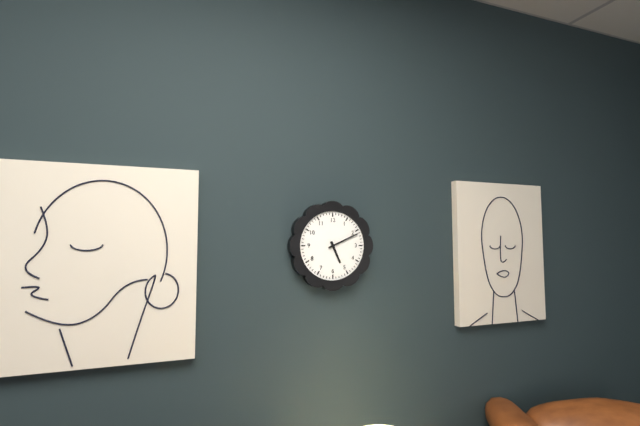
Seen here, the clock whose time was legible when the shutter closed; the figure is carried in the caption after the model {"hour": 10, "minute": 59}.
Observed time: {"hour": 5, "minute": 11}
